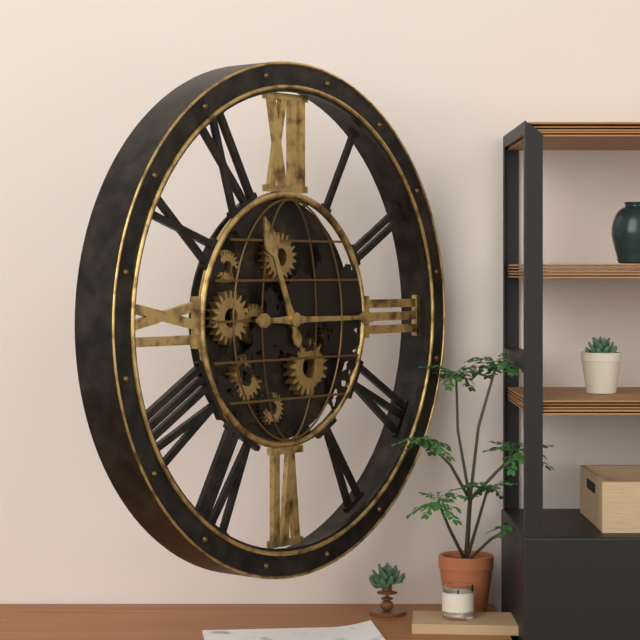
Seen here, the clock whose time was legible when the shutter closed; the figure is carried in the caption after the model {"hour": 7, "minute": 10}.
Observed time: {"hour": 11, "minute": 15}
